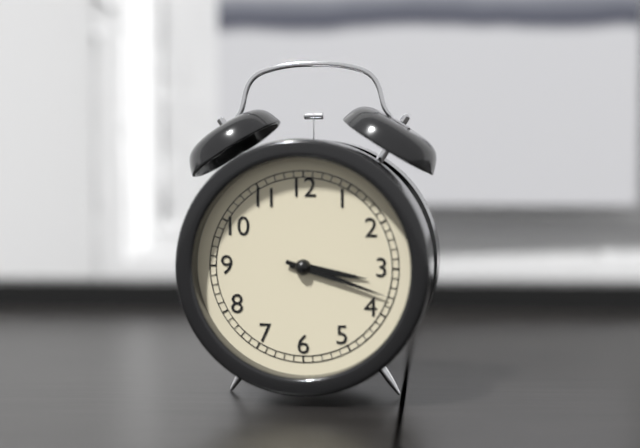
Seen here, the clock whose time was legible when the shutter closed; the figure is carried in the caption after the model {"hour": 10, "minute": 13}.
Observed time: {"hour": 3, "minute": 18}
